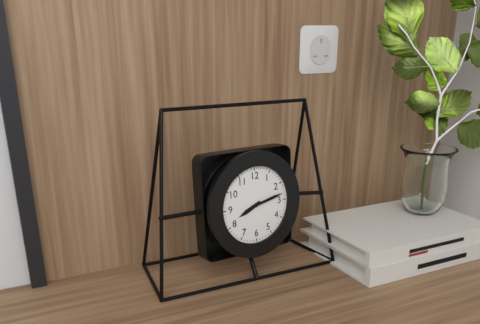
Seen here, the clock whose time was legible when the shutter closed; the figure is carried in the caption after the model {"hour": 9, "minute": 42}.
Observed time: {"hour": 8, "minute": 13}
